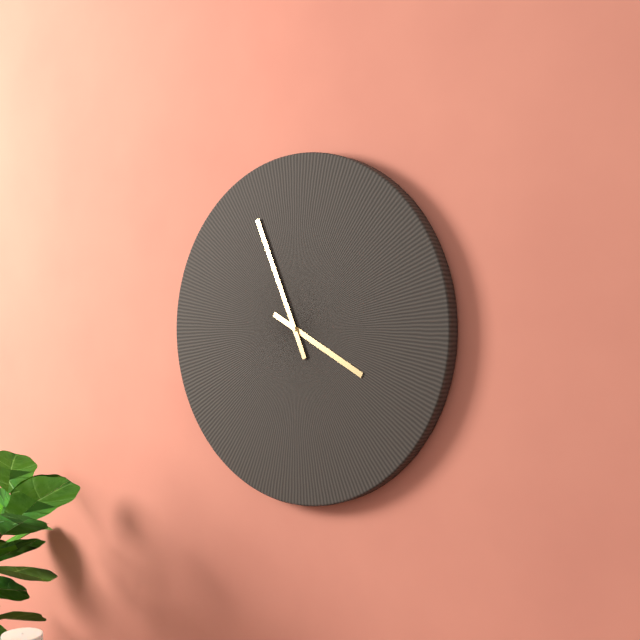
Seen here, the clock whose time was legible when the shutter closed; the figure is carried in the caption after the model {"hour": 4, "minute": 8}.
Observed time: {"hour": 3, "minute": 56}
